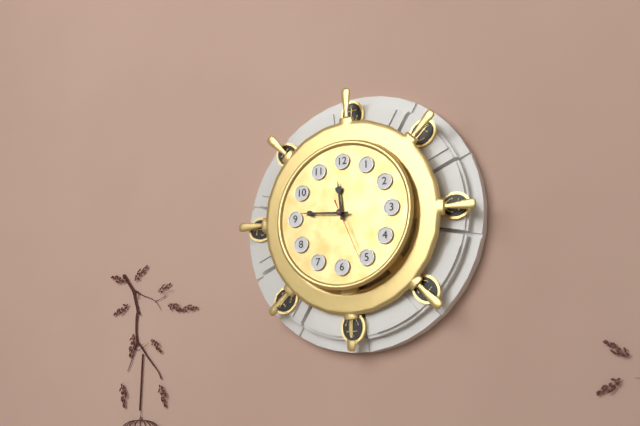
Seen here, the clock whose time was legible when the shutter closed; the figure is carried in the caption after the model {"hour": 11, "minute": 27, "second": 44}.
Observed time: {"hour": 11, "minute": 46, "second": 26}
